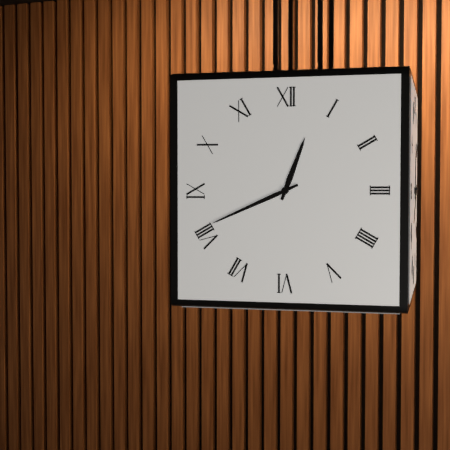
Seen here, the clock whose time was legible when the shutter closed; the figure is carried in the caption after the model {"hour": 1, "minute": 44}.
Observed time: {"hour": 12, "minute": 41}
